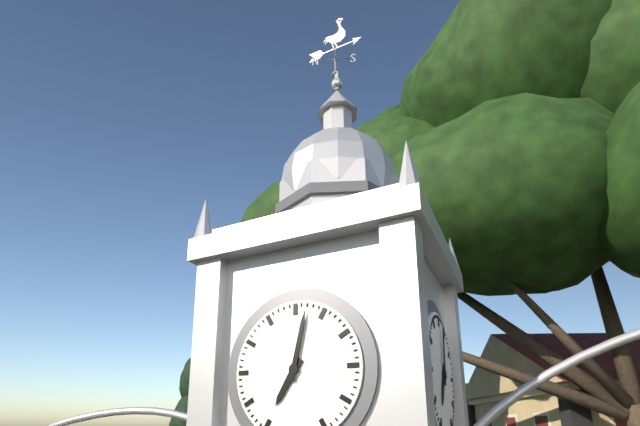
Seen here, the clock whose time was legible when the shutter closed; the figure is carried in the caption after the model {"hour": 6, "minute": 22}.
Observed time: {"hour": 7, "minute": 2}
